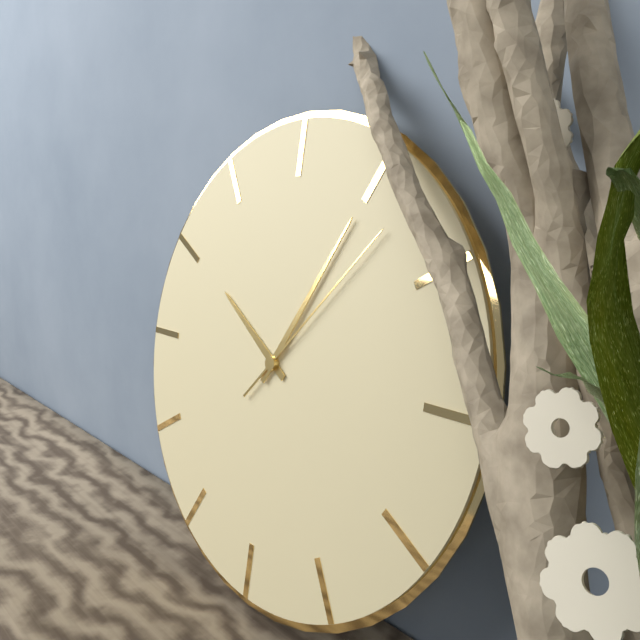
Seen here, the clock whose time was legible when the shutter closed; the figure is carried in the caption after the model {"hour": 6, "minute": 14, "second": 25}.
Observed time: {"hour": 10, "minute": 5, "second": 7}
